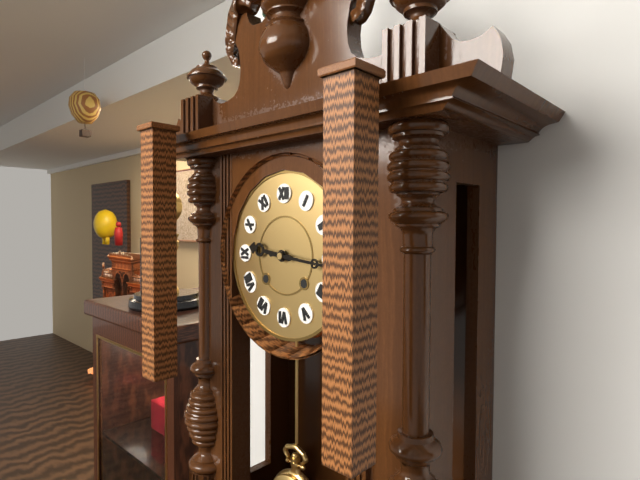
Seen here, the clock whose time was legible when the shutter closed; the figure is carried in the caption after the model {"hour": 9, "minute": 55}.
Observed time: {"hour": 9, "minute": 16}
